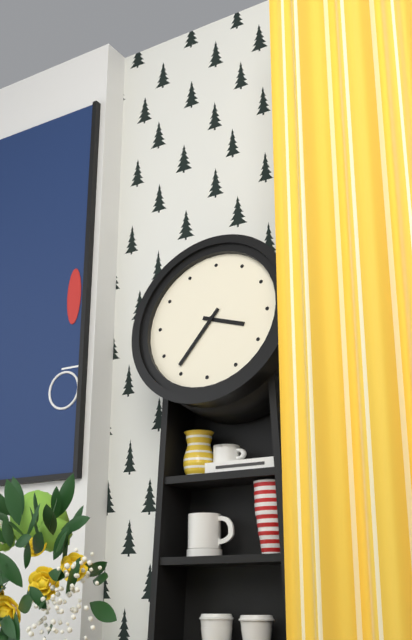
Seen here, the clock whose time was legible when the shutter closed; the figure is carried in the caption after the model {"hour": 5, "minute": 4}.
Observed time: {"hour": 3, "minute": 36}
